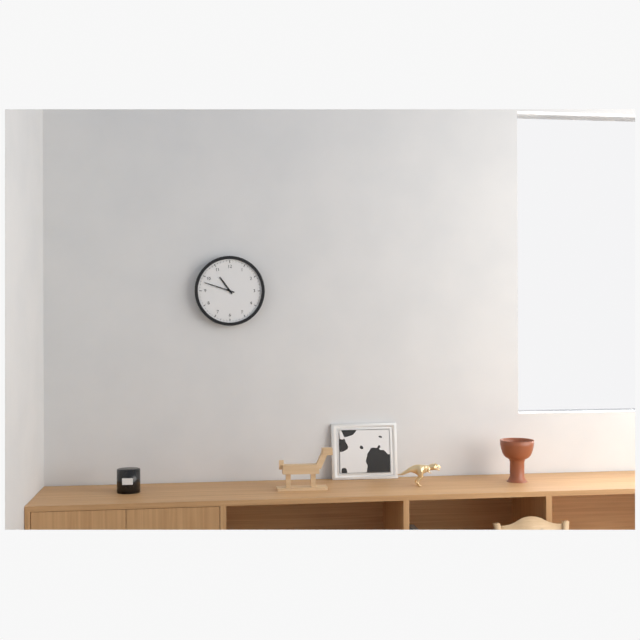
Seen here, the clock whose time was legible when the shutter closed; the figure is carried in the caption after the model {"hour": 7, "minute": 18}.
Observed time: {"hour": 10, "minute": 48}
